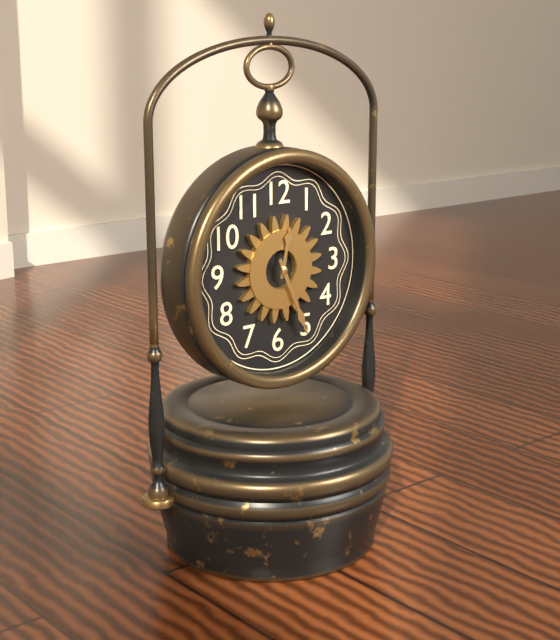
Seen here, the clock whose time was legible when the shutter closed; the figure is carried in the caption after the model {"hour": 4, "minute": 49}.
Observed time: {"hour": 12, "minute": 26}
